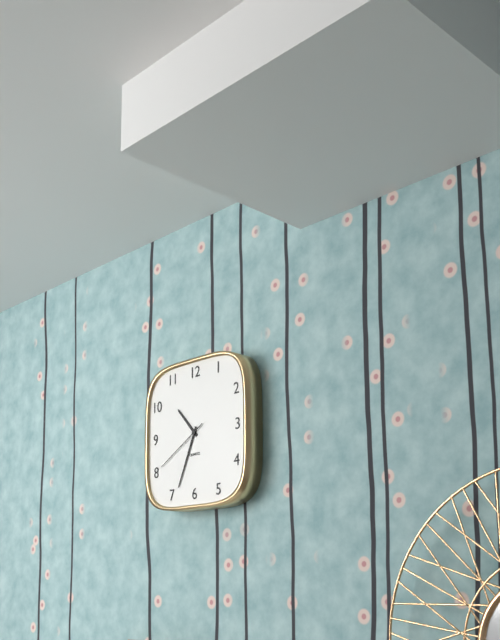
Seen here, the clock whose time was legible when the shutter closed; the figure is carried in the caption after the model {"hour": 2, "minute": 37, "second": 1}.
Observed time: {"hour": 10, "minute": 34, "second": 40}
